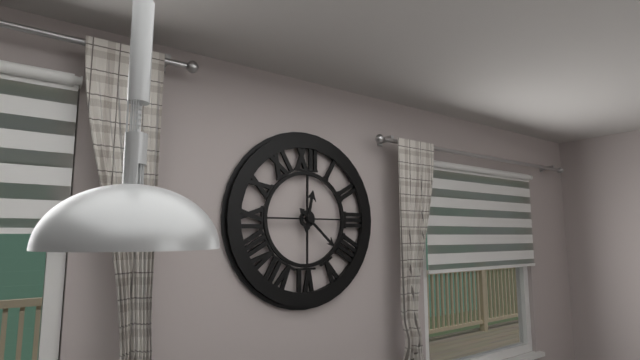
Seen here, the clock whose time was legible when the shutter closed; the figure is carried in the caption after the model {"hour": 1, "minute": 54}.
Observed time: {"hour": 12, "minute": 22}
